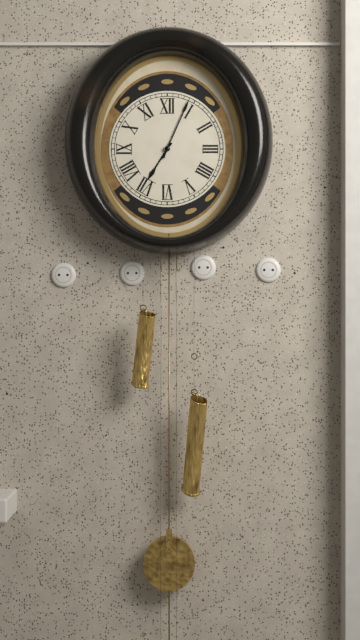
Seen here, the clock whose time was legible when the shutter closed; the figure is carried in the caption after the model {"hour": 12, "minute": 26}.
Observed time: {"hour": 7, "minute": 4}
